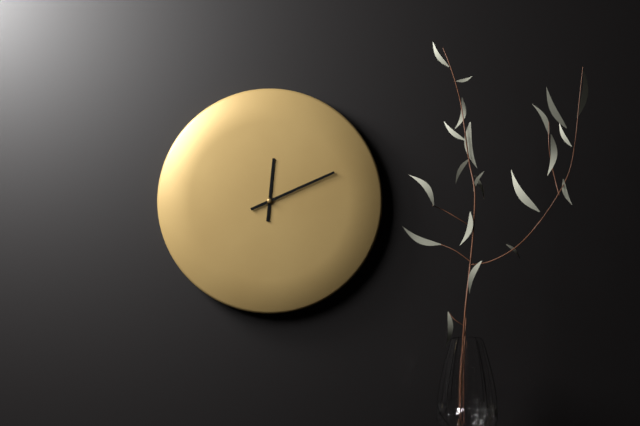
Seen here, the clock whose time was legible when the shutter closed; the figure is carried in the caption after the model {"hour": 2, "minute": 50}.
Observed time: {"hour": 12, "minute": 11}
